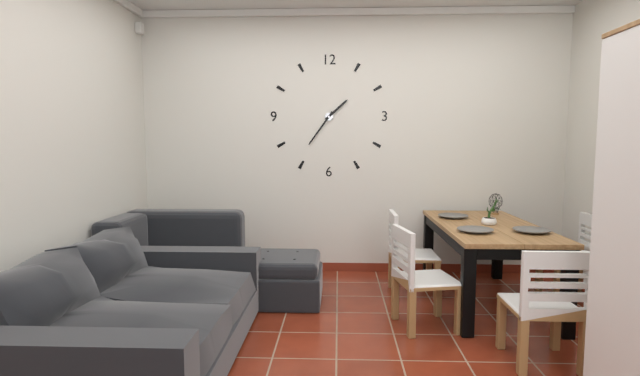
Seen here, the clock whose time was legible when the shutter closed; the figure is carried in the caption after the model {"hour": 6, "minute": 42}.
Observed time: {"hour": 1, "minute": 36}
